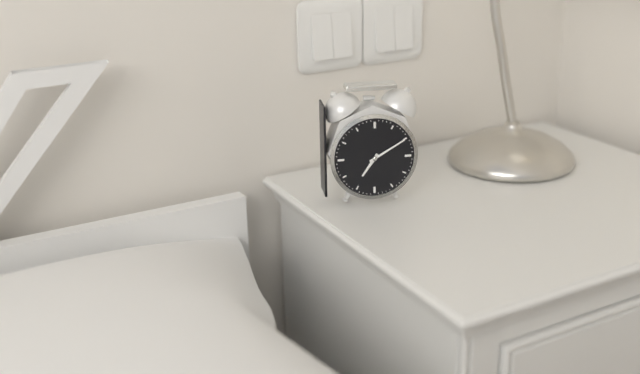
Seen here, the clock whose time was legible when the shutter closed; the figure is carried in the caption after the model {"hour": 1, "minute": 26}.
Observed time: {"hour": 7, "minute": 10}
